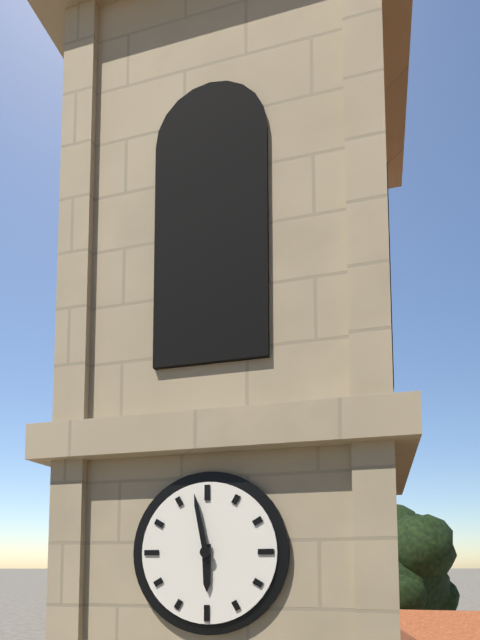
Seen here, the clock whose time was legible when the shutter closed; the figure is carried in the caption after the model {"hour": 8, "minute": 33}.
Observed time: {"hour": 5, "minute": 58}
